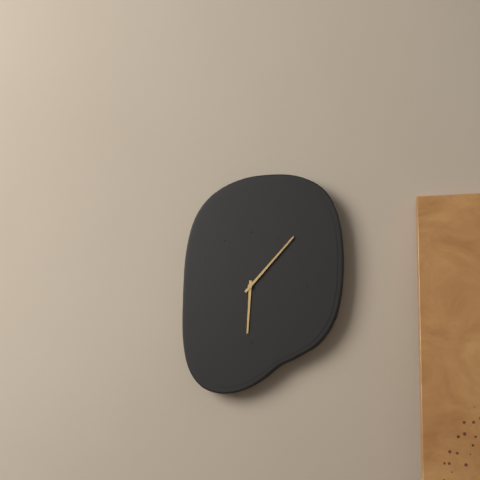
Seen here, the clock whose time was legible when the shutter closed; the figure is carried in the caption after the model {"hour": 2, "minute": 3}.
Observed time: {"hour": 6, "minute": 7}
